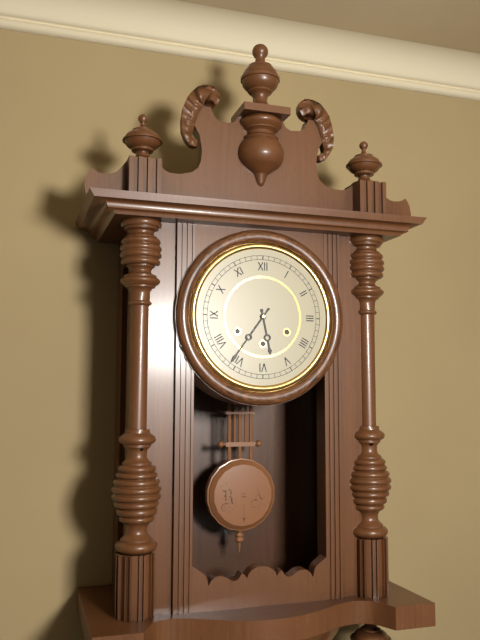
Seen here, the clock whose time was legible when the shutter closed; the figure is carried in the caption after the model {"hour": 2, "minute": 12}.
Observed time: {"hour": 5, "minute": 36}
